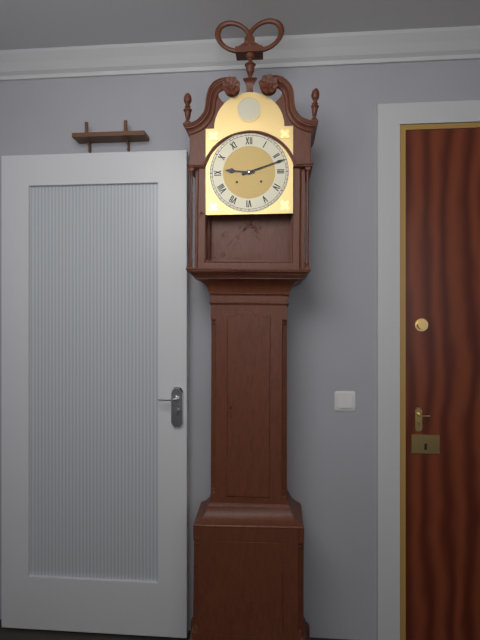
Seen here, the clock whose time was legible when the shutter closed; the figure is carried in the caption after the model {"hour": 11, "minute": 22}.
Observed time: {"hour": 9, "minute": 12}
